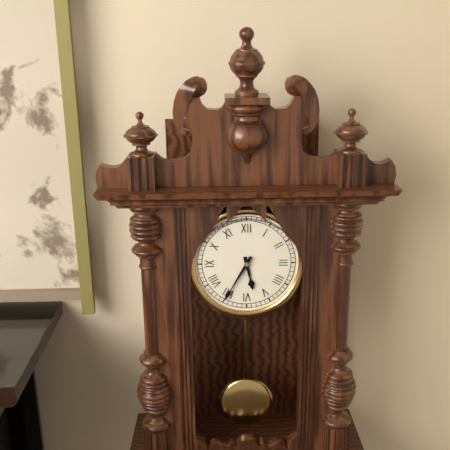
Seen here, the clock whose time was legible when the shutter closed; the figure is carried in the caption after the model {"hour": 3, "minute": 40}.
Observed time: {"hour": 5, "minute": 35}
